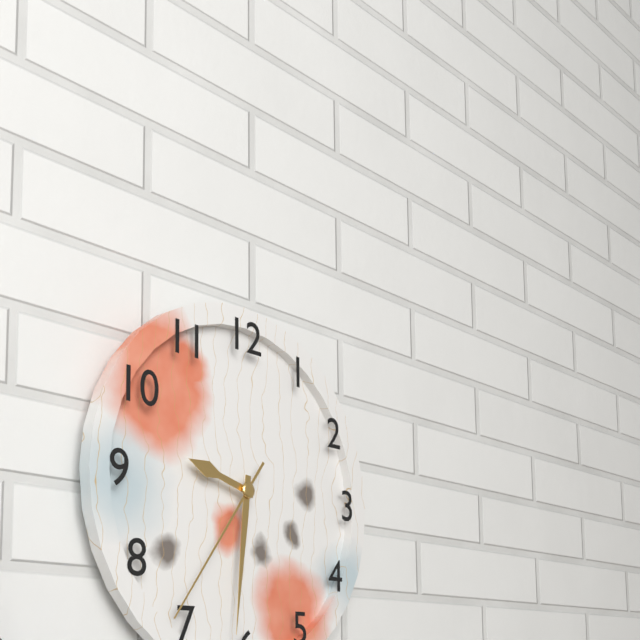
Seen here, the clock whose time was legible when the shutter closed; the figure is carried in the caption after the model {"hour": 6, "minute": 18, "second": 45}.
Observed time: {"hour": 9, "minute": 31, "second": 36}
